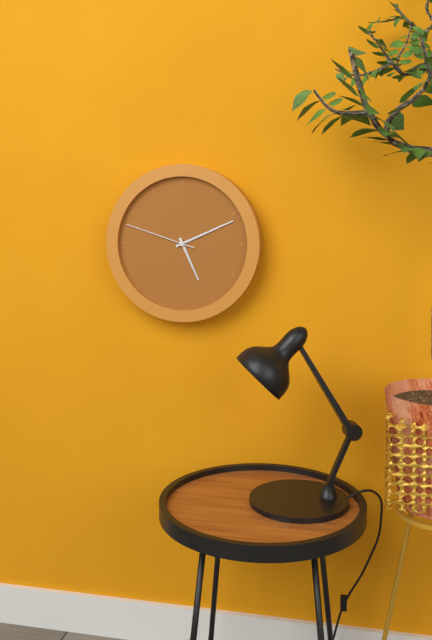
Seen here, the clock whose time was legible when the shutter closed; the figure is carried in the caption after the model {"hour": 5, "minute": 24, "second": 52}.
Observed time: {"hour": 5, "minute": 11, "second": 48}
